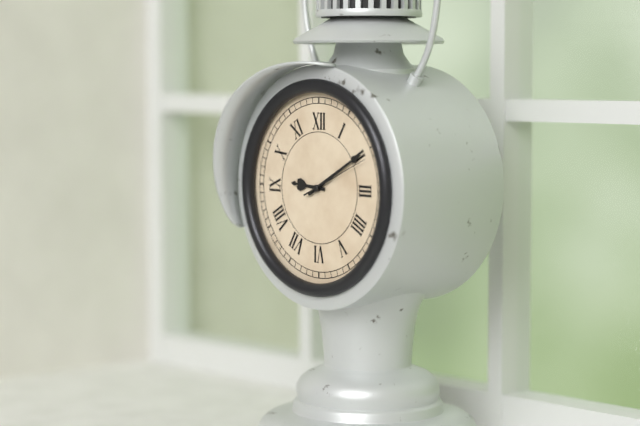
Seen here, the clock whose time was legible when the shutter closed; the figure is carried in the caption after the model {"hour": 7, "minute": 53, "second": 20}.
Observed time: {"hour": 9, "minute": 10, "second": 11}
